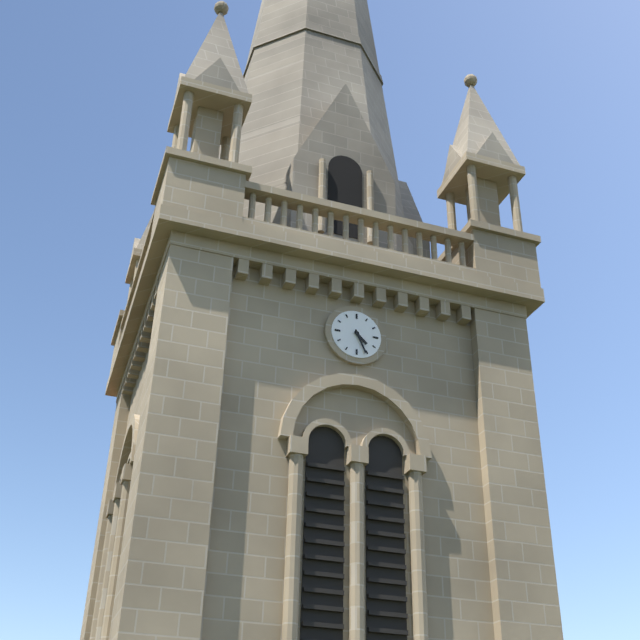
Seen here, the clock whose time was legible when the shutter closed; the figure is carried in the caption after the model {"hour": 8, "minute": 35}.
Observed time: {"hour": 4, "minute": 26}
